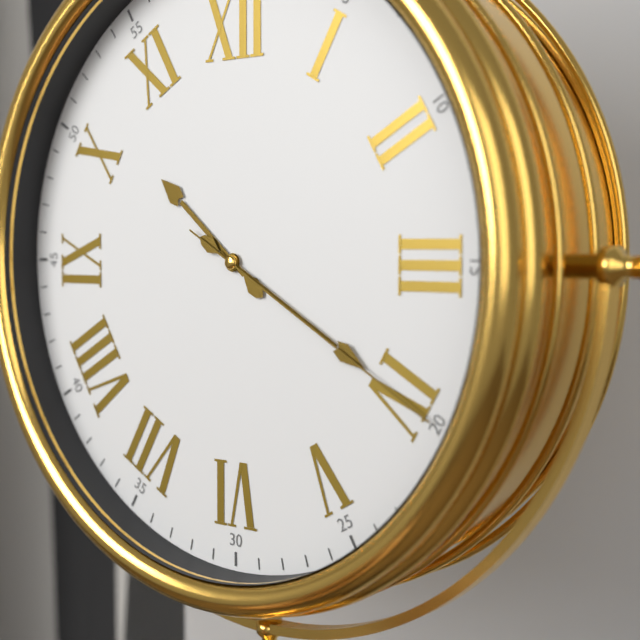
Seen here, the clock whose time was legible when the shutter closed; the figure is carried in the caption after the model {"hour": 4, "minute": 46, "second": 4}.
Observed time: {"hour": 10, "minute": 20, "second": 20}
